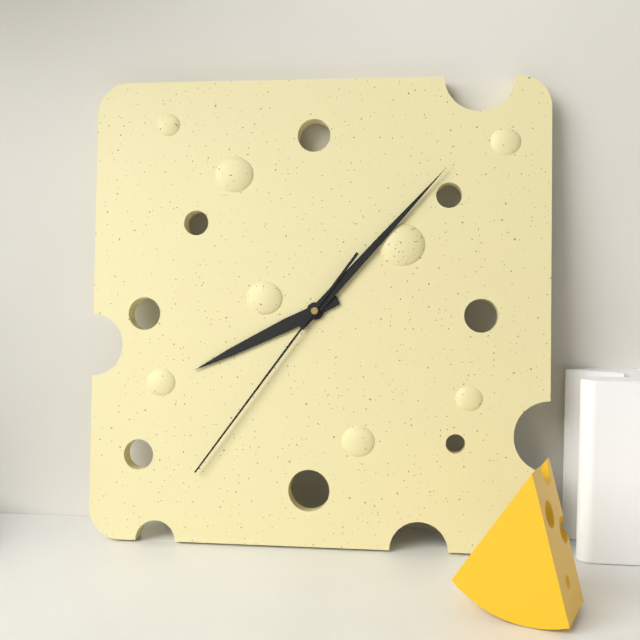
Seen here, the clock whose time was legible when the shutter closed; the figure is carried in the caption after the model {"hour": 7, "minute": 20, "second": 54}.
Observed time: {"hour": 8, "minute": 7, "second": 36}
